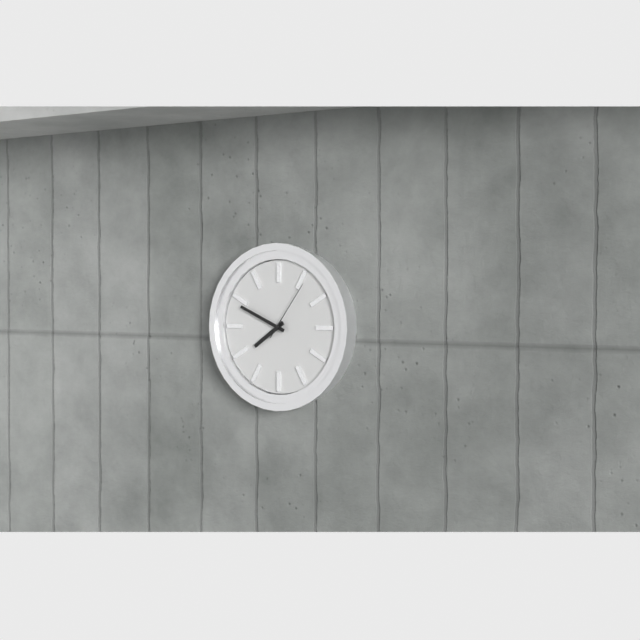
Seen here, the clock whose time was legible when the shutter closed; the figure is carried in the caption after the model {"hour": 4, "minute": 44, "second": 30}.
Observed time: {"hour": 7, "minute": 49, "second": 6}
